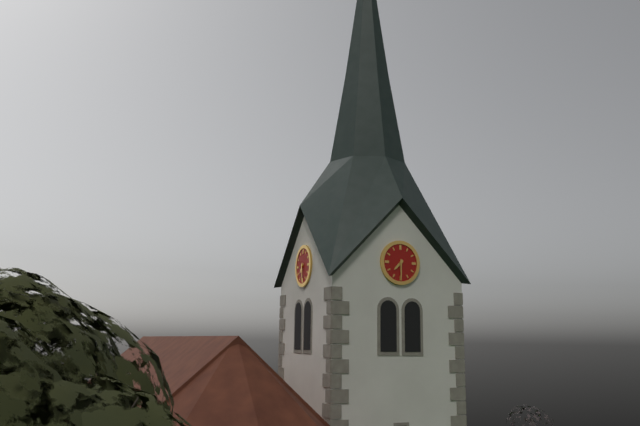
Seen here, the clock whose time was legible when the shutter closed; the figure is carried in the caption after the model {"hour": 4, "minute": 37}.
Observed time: {"hour": 7, "minute": 30}
